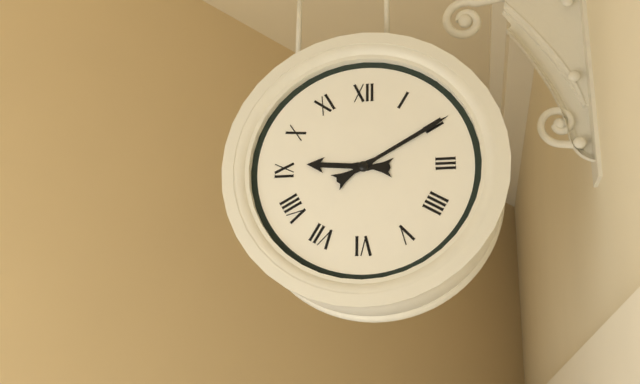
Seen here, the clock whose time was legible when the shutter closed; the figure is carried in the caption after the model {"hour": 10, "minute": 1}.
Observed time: {"hour": 9, "minute": 10}
